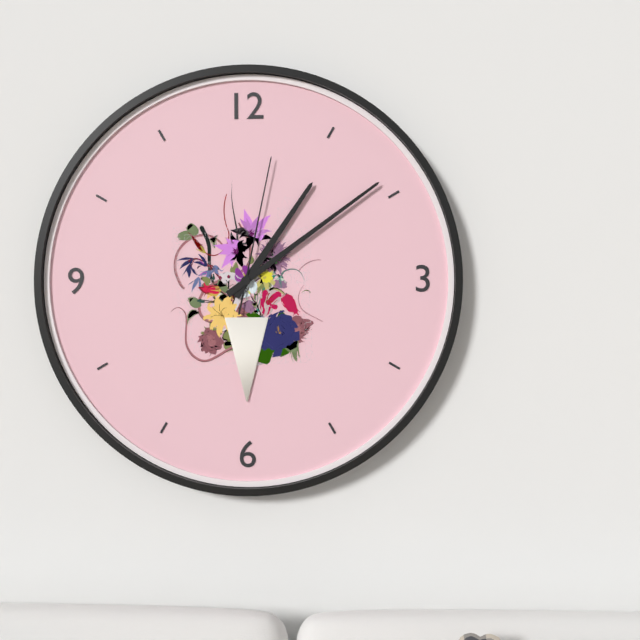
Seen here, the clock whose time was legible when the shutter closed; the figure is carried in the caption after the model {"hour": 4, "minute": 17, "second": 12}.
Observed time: {"hour": 1, "minute": 9, "second": 2}
